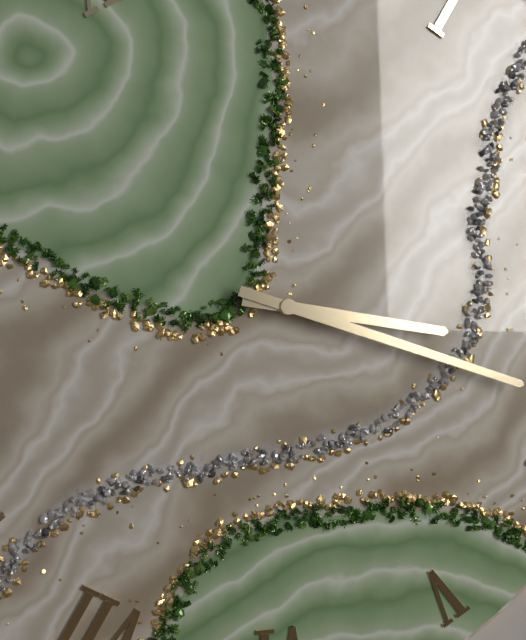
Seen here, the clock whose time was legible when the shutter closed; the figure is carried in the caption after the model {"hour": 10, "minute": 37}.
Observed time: {"hour": 3, "minute": 18}
